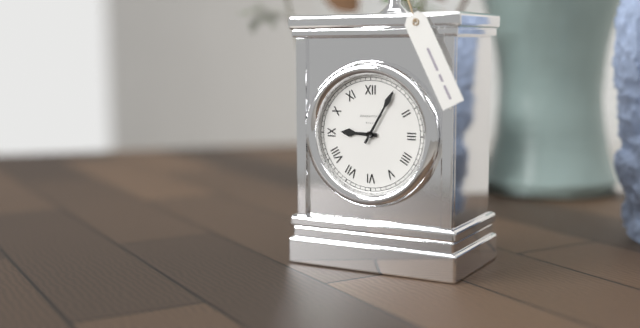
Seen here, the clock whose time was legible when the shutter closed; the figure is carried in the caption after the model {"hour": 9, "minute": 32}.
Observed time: {"hour": 9, "minute": 5}
